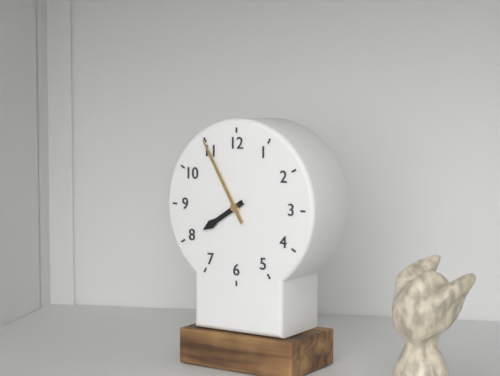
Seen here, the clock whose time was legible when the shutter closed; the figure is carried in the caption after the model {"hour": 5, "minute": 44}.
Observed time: {"hour": 7, "minute": 55}
